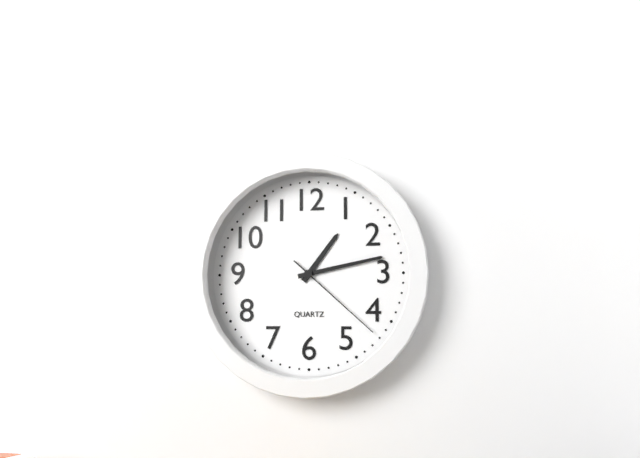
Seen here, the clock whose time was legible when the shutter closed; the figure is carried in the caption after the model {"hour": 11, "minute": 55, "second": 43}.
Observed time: {"hour": 1, "minute": 13, "second": 22}
